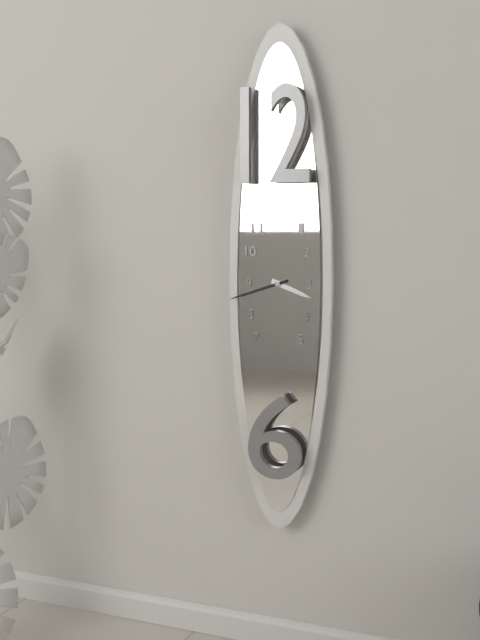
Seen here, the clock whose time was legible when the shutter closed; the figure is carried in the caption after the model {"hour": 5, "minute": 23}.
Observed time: {"hour": 3, "minute": 42}
